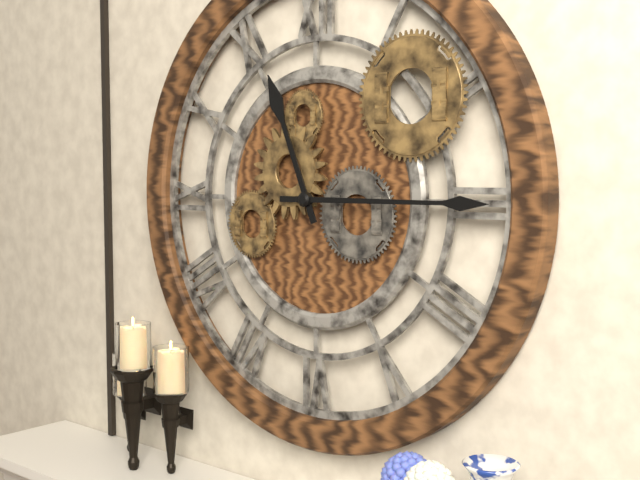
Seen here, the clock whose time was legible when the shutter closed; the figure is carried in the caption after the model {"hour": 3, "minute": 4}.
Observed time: {"hour": 11, "minute": 15}
